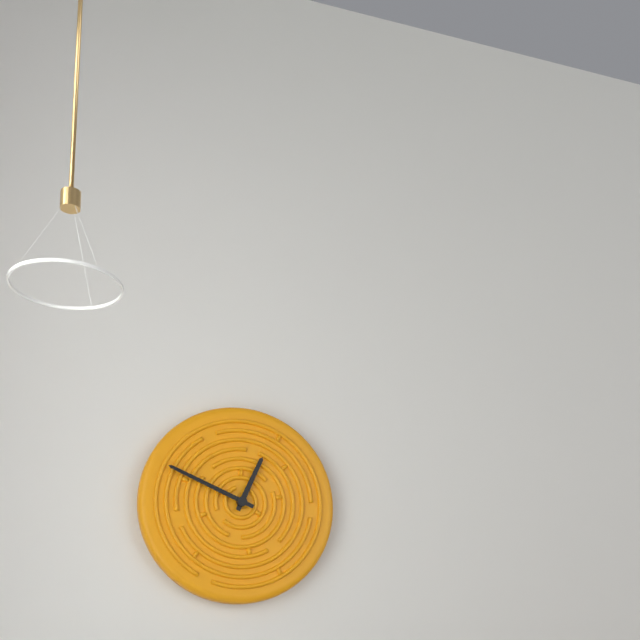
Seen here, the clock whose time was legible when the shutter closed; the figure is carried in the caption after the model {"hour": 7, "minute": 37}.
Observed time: {"hour": 12, "minute": 49}
